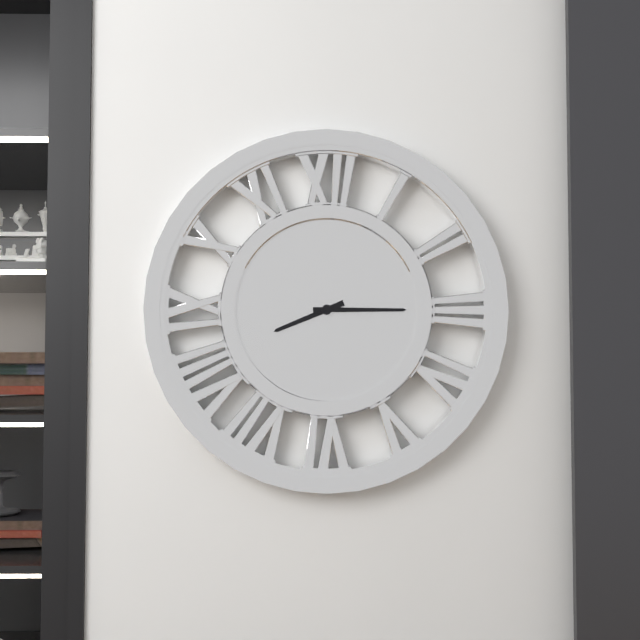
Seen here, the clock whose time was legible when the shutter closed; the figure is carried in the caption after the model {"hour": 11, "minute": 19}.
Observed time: {"hour": 8, "minute": 15}
